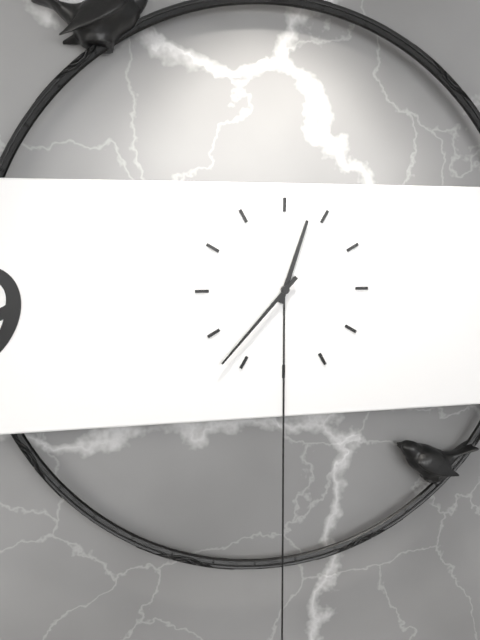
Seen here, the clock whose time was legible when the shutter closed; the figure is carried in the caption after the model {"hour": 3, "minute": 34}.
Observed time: {"hour": 12, "minute": 37}
